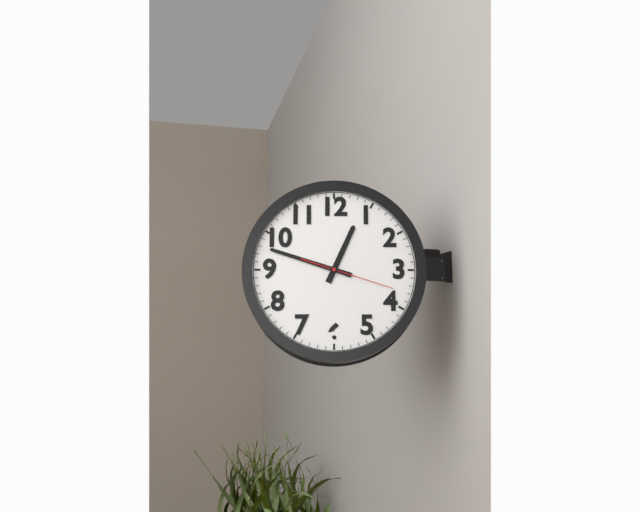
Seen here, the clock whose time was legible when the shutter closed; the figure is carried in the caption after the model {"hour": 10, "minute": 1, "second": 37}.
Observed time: {"hour": 12, "minute": 48, "second": 18}
